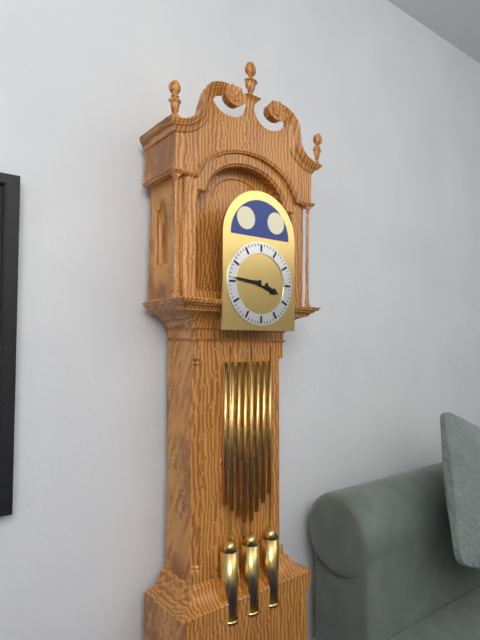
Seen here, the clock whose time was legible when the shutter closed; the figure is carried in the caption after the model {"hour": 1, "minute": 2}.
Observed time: {"hour": 3, "minute": 46}
